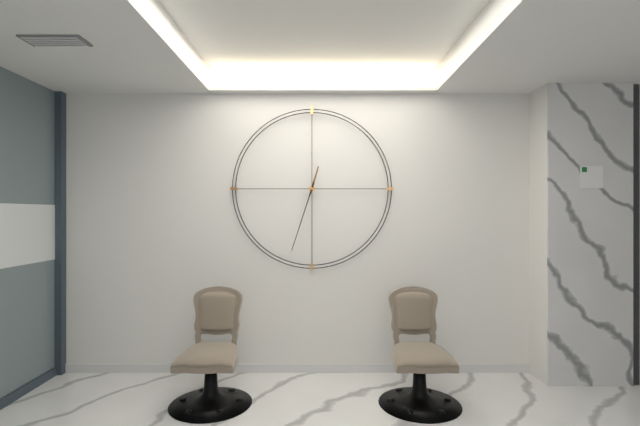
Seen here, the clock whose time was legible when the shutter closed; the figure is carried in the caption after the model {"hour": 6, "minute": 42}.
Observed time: {"hour": 12, "minute": 33}
